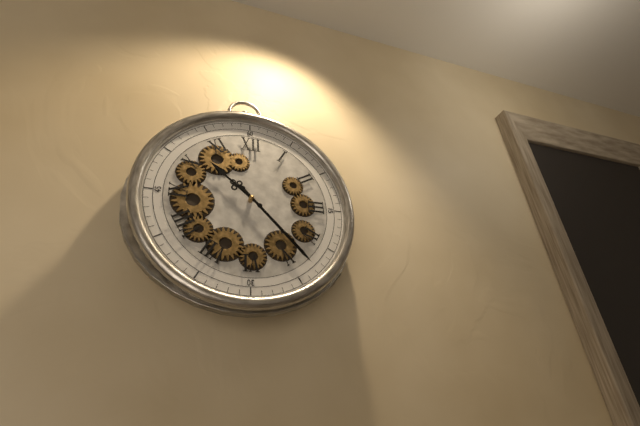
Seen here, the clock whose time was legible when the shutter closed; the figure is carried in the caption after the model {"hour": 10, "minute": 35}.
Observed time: {"hour": 10, "minute": 23}
